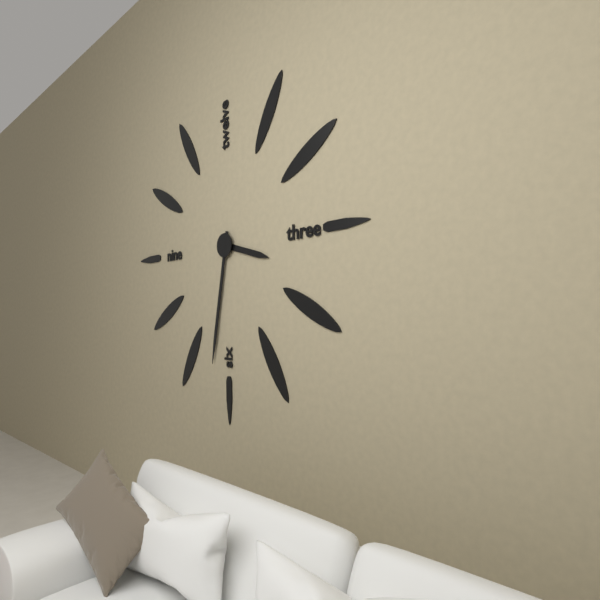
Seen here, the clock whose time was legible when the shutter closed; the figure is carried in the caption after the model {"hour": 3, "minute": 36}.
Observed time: {"hour": 3, "minute": 32}
